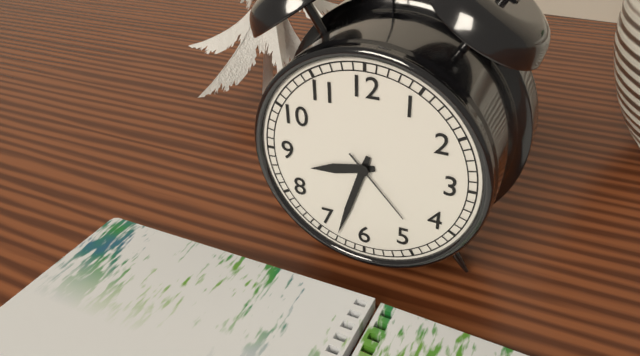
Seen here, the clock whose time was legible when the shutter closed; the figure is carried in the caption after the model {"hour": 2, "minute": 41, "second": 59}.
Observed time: {"hour": 8, "minute": 33, "second": 23}
